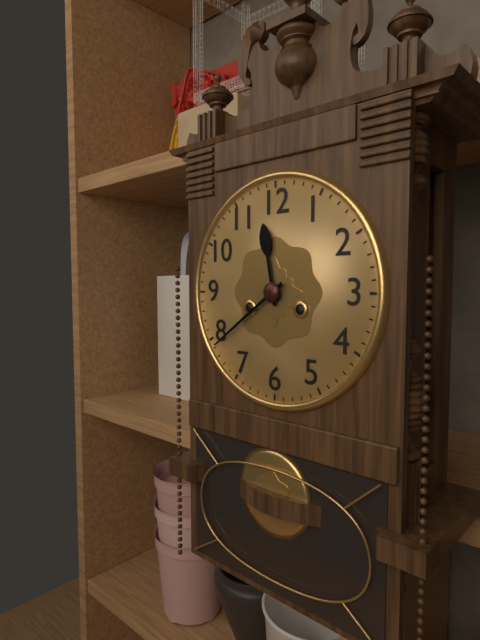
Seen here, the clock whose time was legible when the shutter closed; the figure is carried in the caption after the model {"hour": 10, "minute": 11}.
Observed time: {"hour": 11, "minute": 39}
